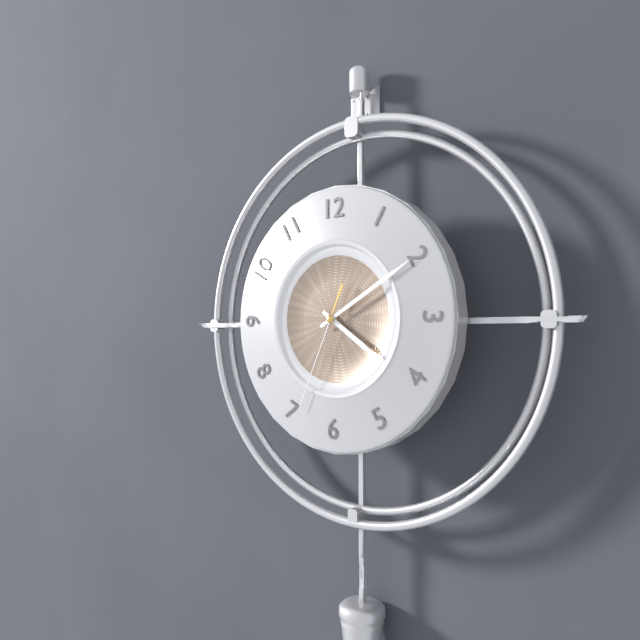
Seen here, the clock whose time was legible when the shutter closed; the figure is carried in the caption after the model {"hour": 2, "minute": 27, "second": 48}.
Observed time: {"hour": 4, "minute": 10, "second": 34}
